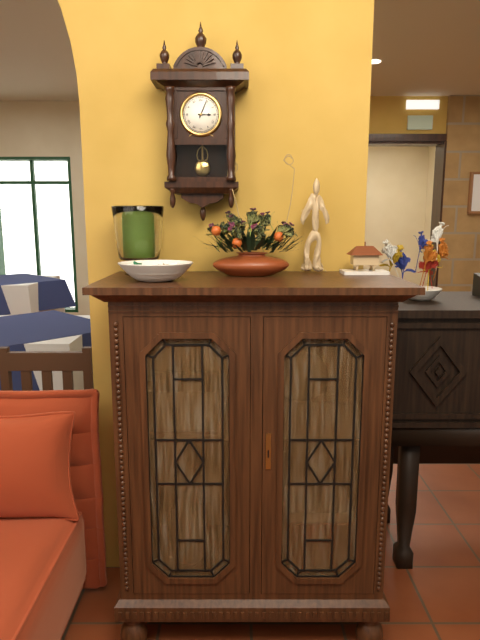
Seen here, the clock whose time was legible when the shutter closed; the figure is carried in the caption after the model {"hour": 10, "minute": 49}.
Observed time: {"hour": 3, "minute": 4}
